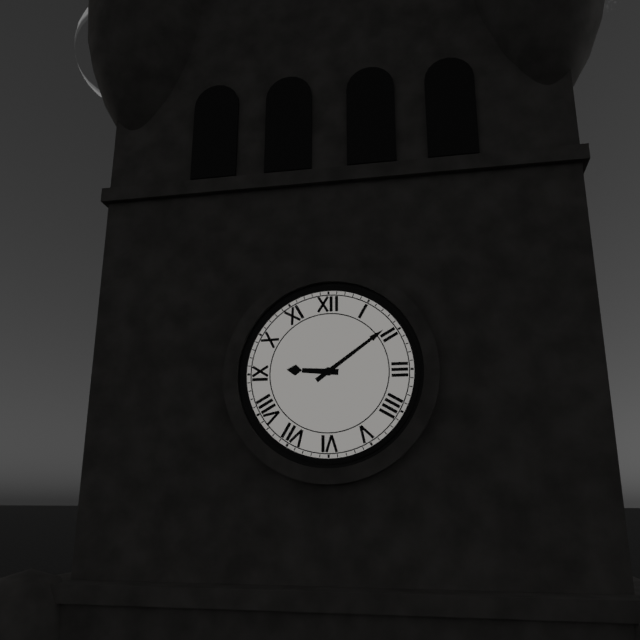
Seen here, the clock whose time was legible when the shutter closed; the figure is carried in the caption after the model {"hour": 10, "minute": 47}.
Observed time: {"hour": 9, "minute": 9}
